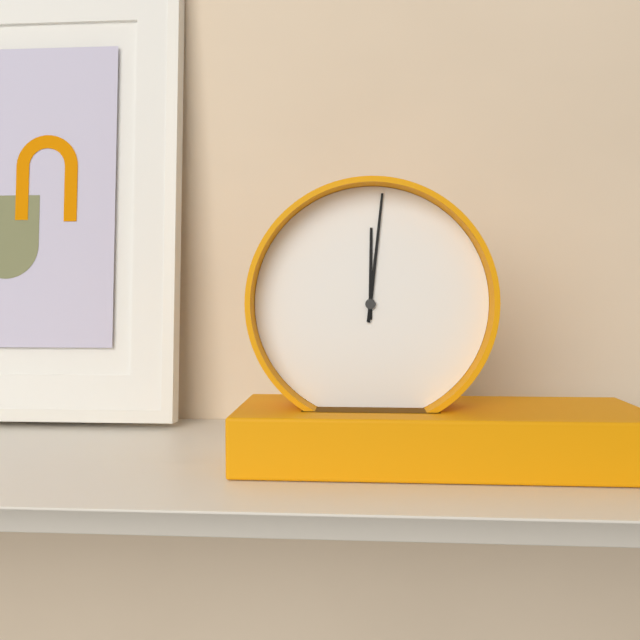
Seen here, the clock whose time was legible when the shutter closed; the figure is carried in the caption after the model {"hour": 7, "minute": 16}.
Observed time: {"hour": 12, "minute": 1}
